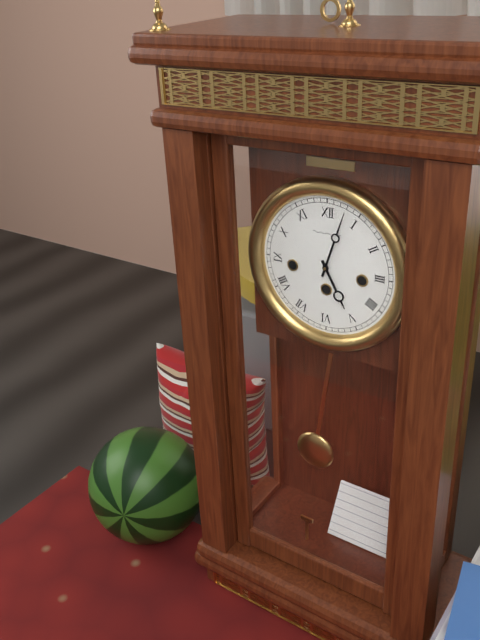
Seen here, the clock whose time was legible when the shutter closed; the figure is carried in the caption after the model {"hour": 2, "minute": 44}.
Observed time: {"hour": 5, "minute": 3}
